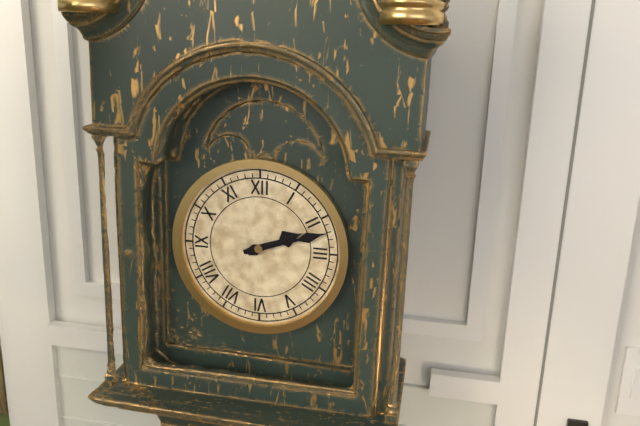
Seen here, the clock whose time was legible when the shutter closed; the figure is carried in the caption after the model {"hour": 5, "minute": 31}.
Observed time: {"hour": 2, "minute": 12}
